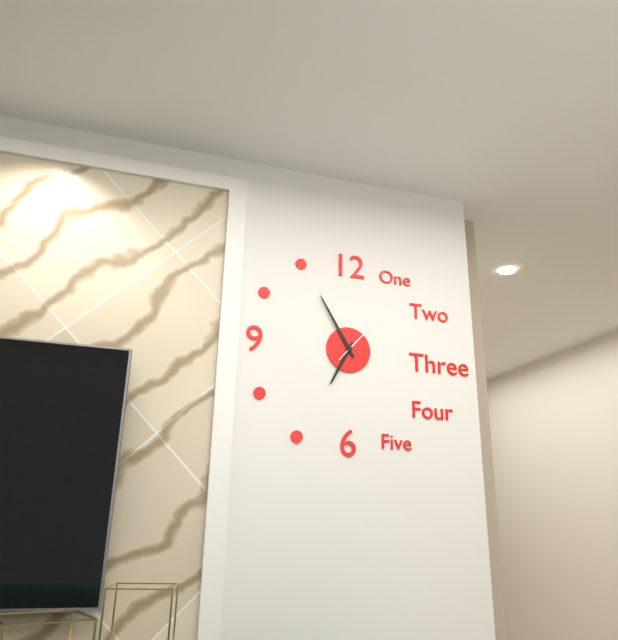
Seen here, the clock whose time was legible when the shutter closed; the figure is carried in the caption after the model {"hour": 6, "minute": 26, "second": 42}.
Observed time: {"hour": 6, "minute": 55, "second": 7}
